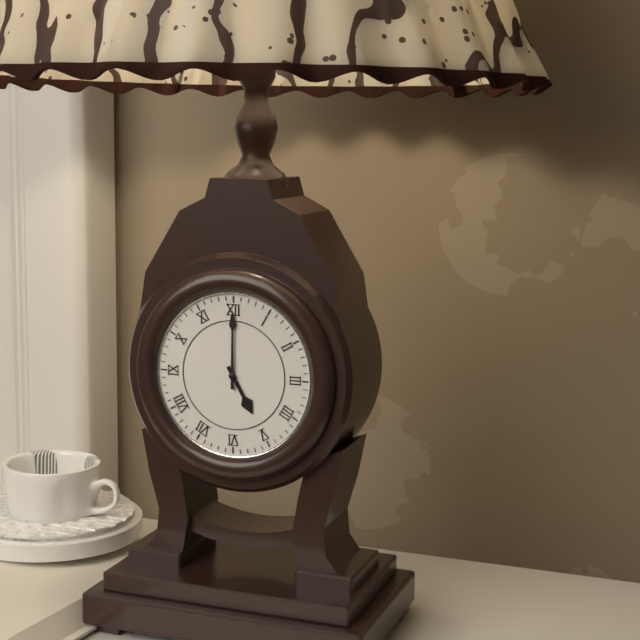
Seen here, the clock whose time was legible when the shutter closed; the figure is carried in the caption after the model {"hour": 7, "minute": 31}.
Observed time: {"hour": 5, "minute": 0}
